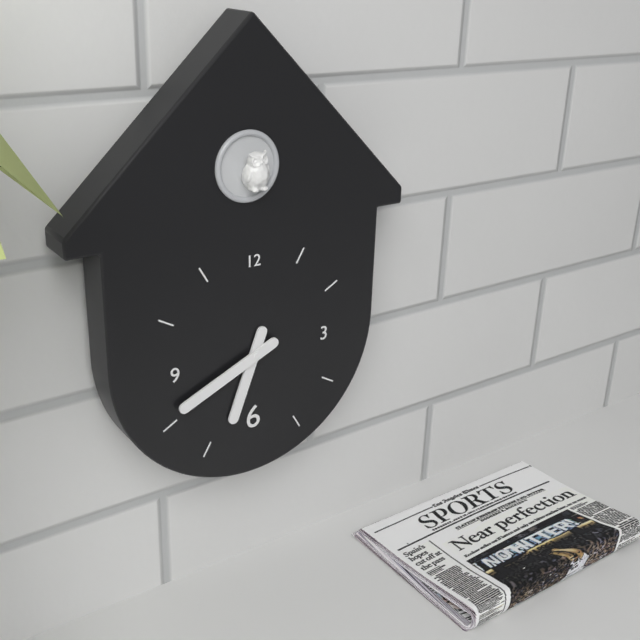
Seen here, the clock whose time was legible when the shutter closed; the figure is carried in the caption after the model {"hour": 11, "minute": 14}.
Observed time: {"hour": 6, "minute": 41}
